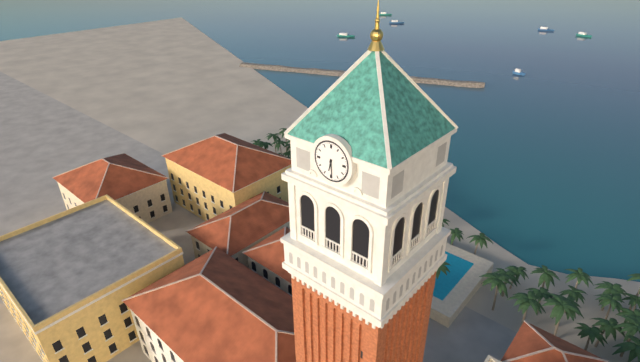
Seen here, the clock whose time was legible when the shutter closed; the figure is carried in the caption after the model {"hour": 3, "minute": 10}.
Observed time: {"hour": 6, "minute": 29}
